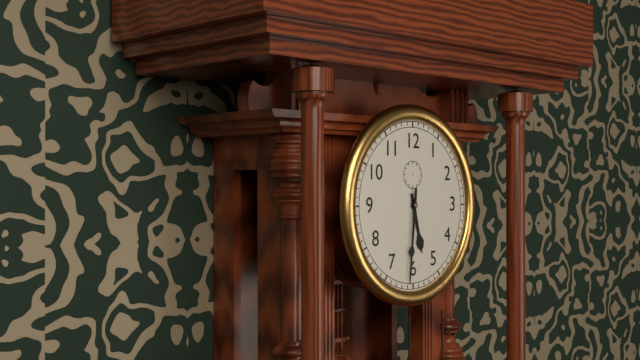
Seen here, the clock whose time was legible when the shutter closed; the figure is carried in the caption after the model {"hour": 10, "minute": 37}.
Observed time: {"hour": 5, "minute": 31}
